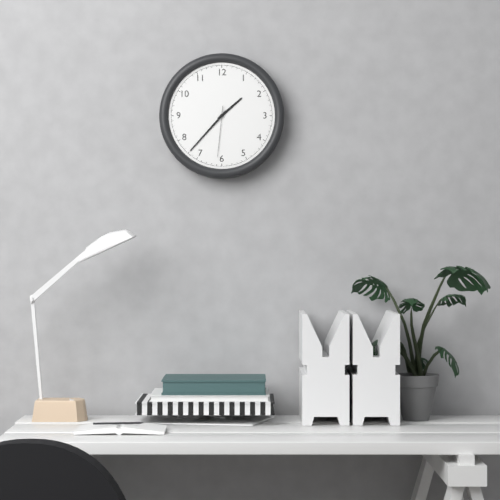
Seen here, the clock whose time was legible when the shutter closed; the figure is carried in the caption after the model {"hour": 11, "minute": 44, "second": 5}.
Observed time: {"hour": 1, "minute": 37, "second": 31}
